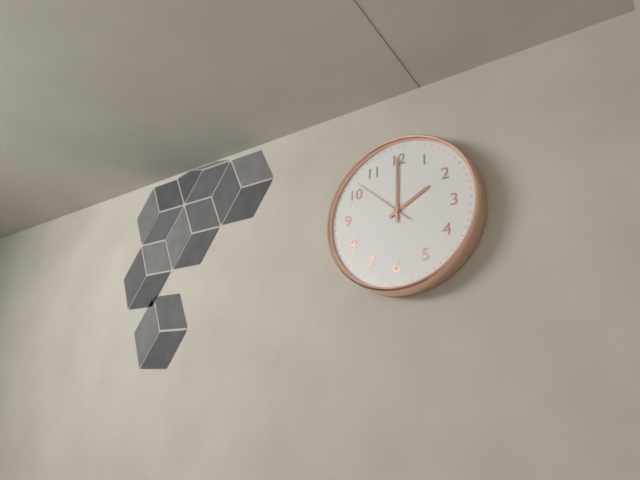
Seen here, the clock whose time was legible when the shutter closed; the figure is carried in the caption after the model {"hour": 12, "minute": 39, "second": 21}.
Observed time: {"hour": 2, "minute": 0, "second": 52}
